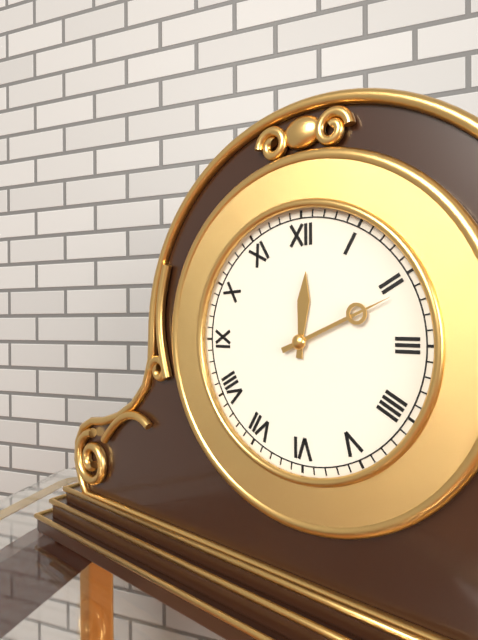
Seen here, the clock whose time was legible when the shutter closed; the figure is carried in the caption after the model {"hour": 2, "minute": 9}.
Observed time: {"hour": 12, "minute": 11}
